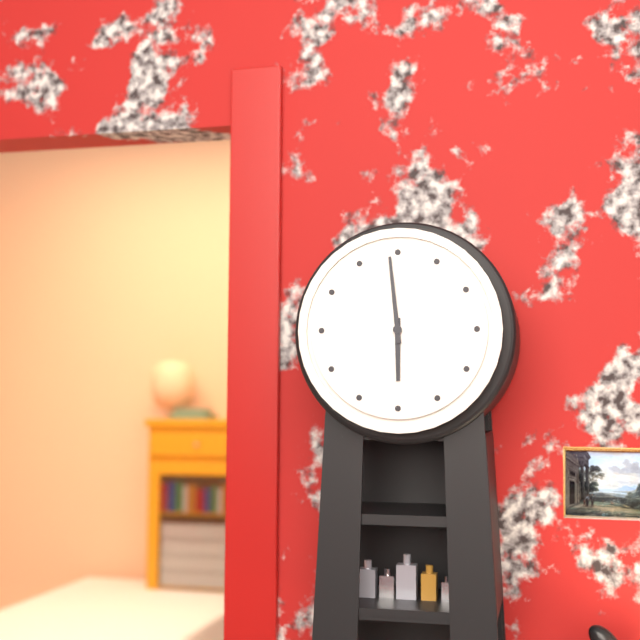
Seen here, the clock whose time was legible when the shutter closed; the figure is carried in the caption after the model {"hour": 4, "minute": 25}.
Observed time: {"hour": 5, "minute": 59}
